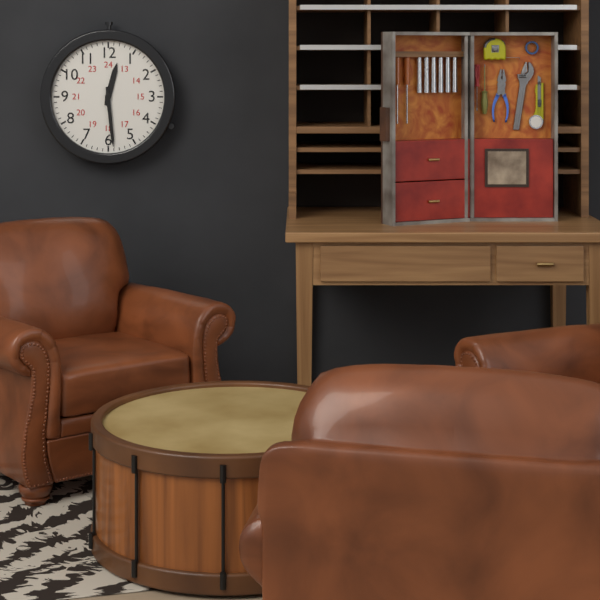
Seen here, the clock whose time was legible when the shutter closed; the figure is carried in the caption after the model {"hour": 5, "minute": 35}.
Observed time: {"hour": 12, "minute": 29}
